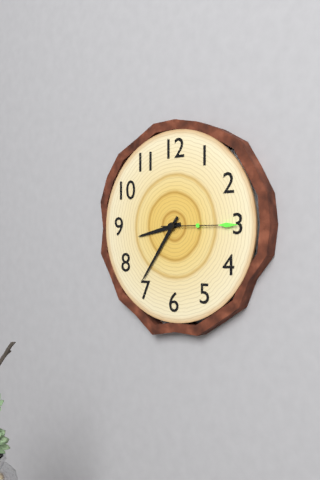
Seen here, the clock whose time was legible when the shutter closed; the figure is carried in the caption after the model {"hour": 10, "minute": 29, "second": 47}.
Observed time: {"hour": 8, "minute": 36, "second": 15}
